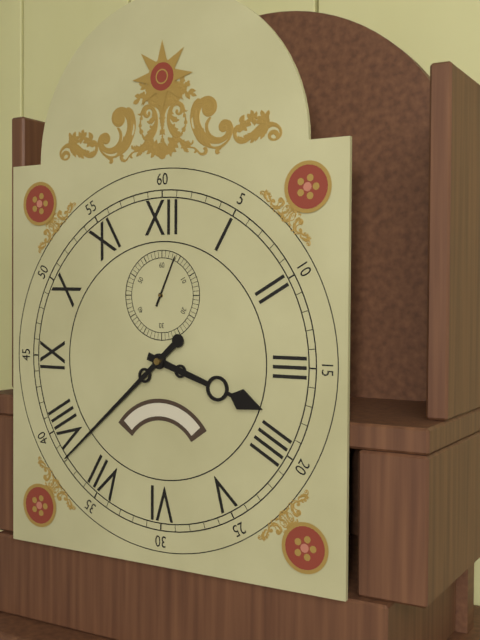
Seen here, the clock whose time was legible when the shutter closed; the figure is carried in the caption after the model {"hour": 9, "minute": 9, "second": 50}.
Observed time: {"hour": 3, "minute": 38, "second": 4}
